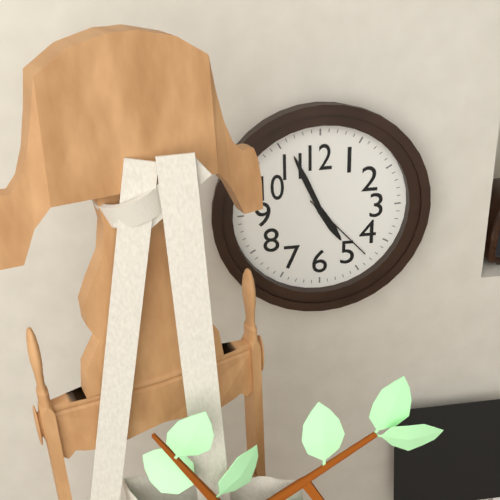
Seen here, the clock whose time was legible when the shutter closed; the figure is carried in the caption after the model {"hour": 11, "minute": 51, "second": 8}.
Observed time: {"hour": 4, "minute": 56, "second": 23}
